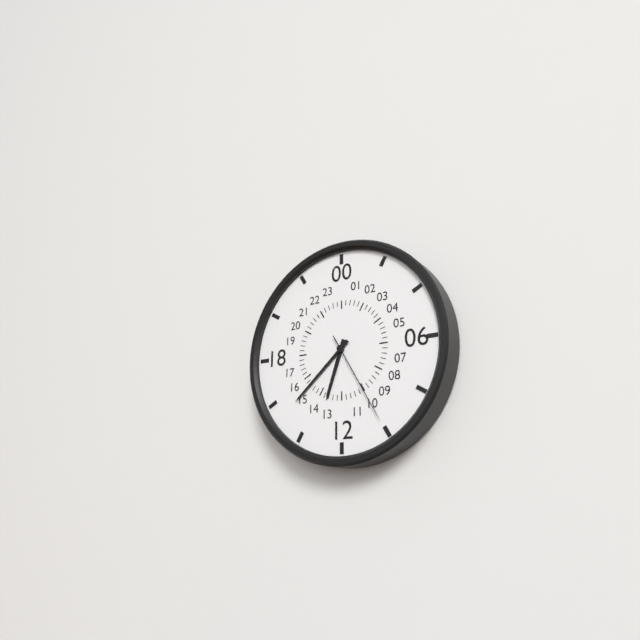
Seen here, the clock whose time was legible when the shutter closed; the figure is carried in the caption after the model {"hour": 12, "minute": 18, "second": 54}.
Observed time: {"hour": 6, "minute": 38, "second": 25}
